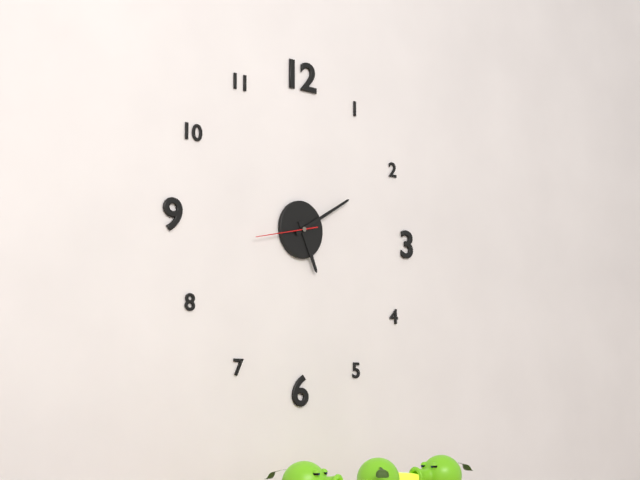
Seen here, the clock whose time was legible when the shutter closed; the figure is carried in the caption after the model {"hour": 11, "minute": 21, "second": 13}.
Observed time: {"hour": 5, "minute": 10, "second": 43}
